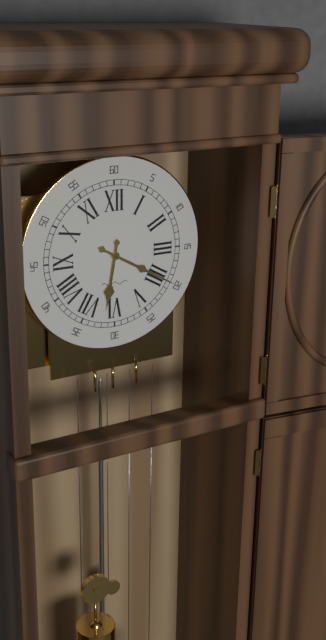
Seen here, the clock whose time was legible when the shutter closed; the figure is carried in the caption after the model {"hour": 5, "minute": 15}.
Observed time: {"hour": 6, "minute": 20}
